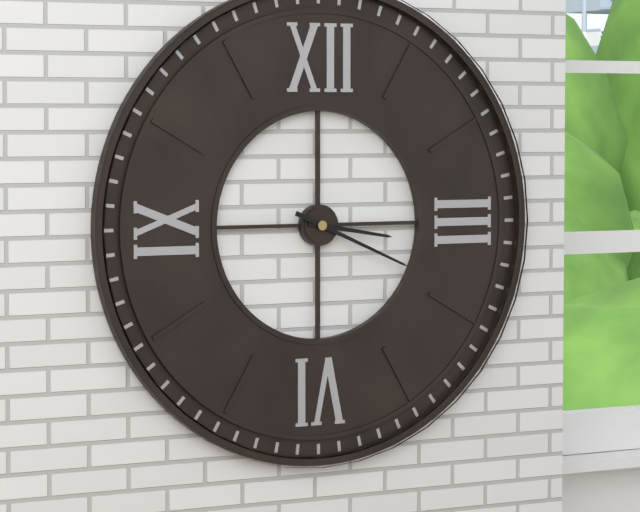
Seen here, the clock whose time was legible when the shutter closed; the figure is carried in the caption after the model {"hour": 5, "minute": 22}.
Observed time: {"hour": 3, "minute": 19}
